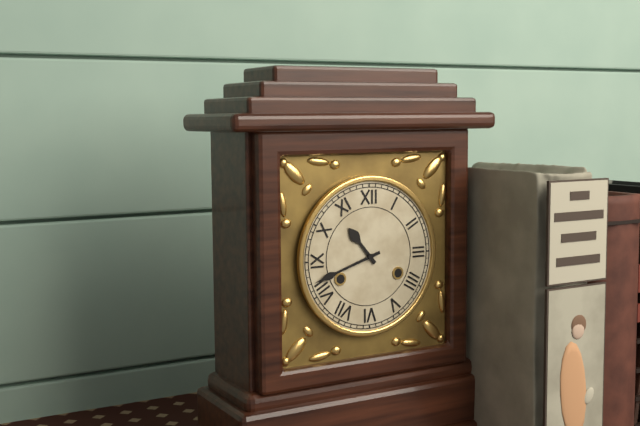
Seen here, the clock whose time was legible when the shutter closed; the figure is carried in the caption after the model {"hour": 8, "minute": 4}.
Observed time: {"hour": 10, "minute": 42}
